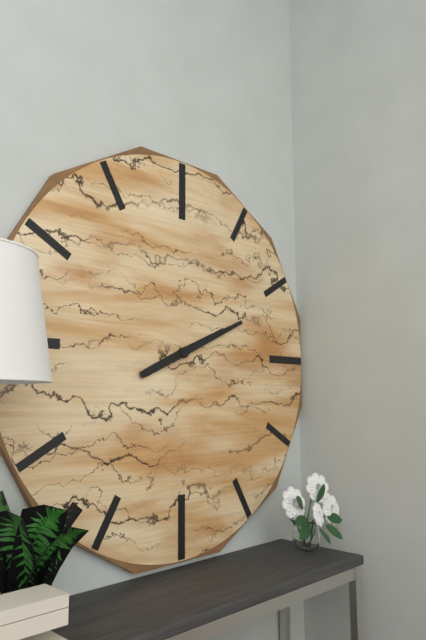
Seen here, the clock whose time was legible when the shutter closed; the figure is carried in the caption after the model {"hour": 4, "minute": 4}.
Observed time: {"hour": 2, "minute": 11}
